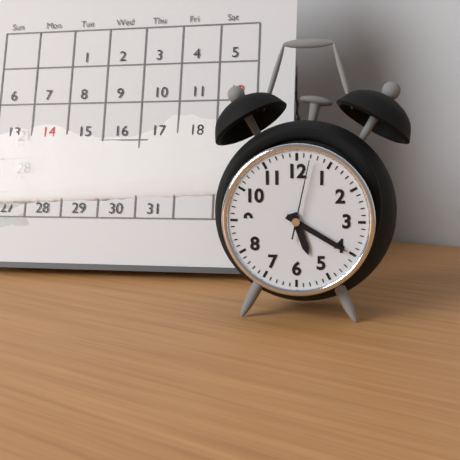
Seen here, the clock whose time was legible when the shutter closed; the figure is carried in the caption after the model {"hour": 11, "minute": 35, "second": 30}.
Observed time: {"hour": 5, "minute": 20, "second": 2}
